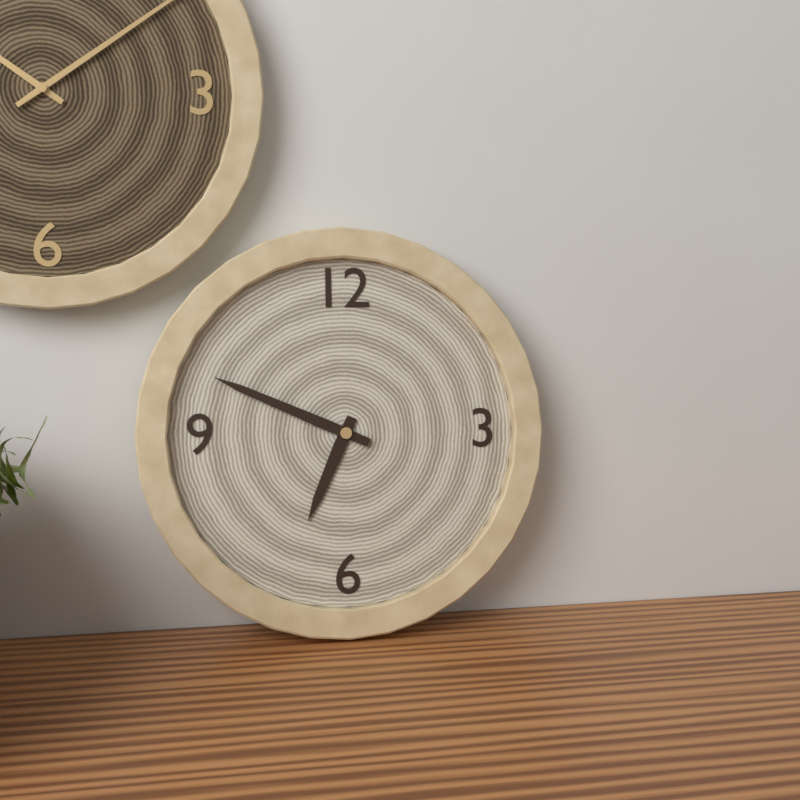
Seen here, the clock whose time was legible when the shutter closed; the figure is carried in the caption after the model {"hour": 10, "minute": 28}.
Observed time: {"hour": 6, "minute": 49}
